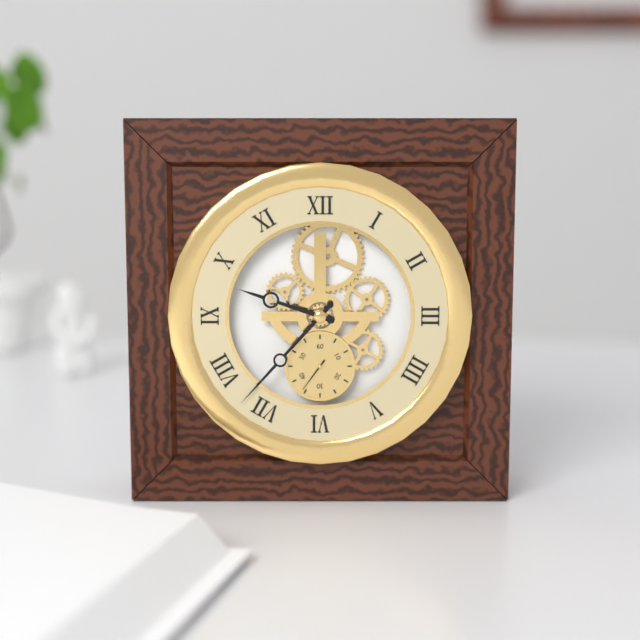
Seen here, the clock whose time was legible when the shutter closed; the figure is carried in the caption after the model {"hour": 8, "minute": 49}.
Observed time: {"hour": 9, "minute": 37}
